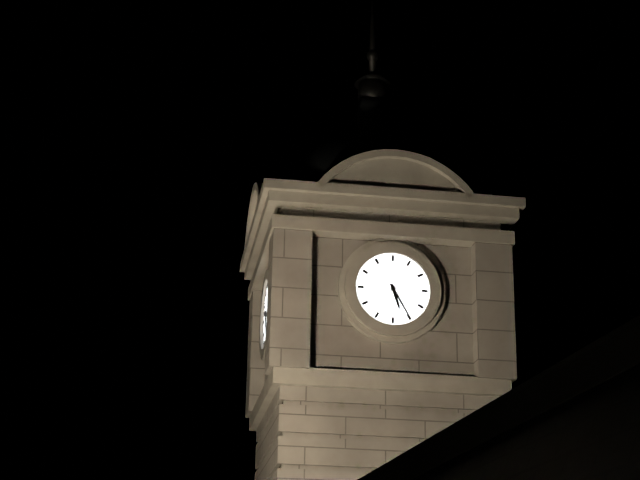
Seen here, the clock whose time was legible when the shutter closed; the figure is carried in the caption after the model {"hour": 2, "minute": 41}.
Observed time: {"hour": 5, "minute": 25}
